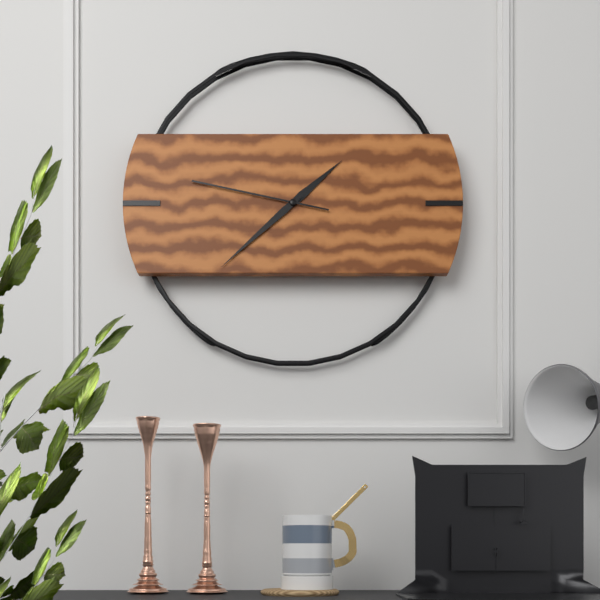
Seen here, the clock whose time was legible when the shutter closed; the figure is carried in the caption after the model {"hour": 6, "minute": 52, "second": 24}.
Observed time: {"hour": 1, "minute": 38, "second": 47}
